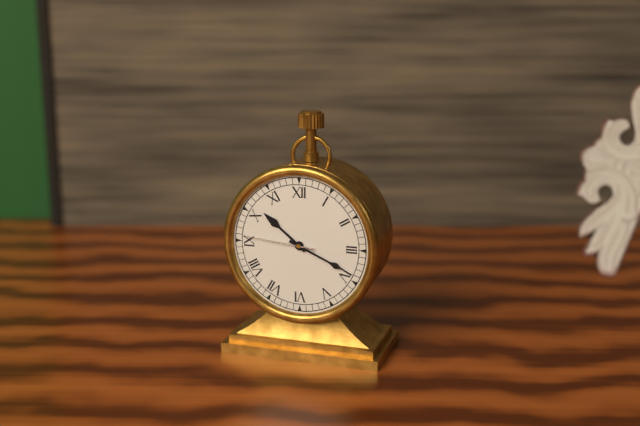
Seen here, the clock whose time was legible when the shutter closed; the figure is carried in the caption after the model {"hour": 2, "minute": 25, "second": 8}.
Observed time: {"hour": 10, "minute": 19, "second": 46}
